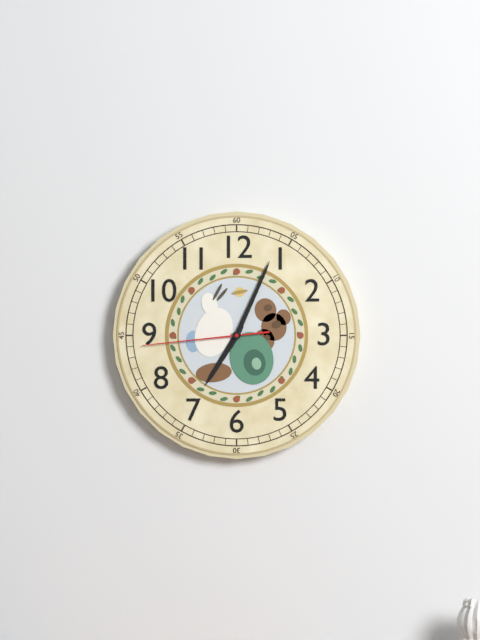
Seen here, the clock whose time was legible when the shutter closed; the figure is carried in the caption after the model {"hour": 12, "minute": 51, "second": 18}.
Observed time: {"hour": 7, "minute": 4, "second": 44}
